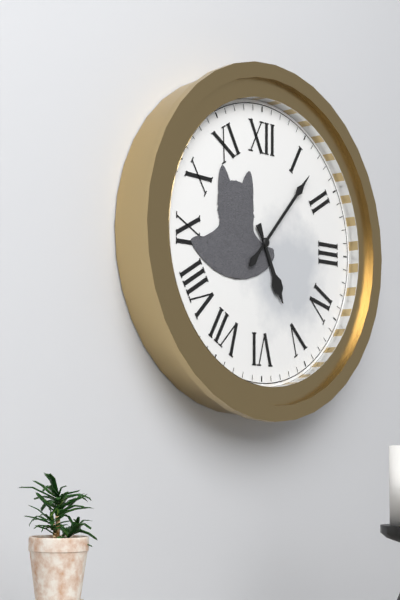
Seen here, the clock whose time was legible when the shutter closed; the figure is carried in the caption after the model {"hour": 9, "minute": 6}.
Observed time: {"hour": 5, "minute": 7}
